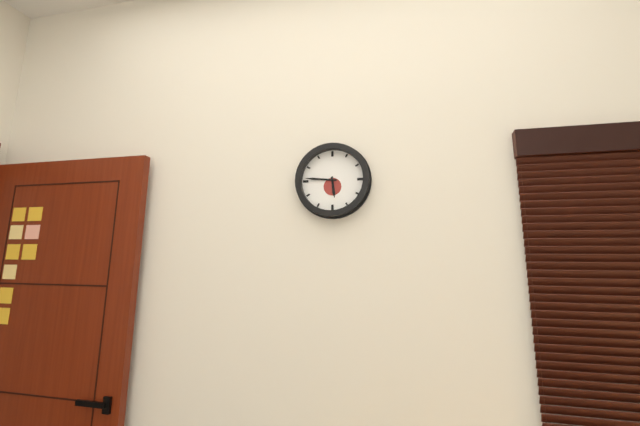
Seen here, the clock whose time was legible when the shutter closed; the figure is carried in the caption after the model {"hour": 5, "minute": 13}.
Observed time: {"hour": 5, "minute": 46}
